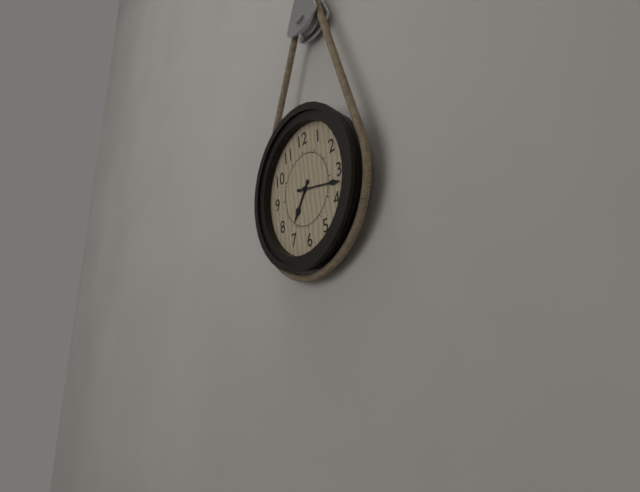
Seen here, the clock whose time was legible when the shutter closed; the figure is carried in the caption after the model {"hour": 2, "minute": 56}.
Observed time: {"hour": 7, "minute": 17}
